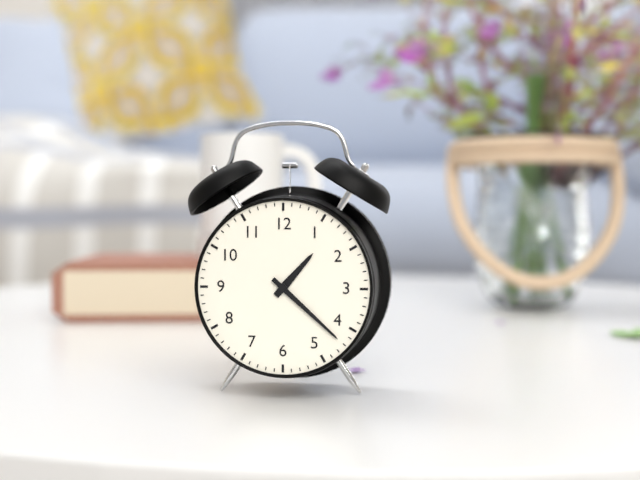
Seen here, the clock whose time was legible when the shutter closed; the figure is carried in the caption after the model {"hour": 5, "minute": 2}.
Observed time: {"hour": 1, "minute": 22}
